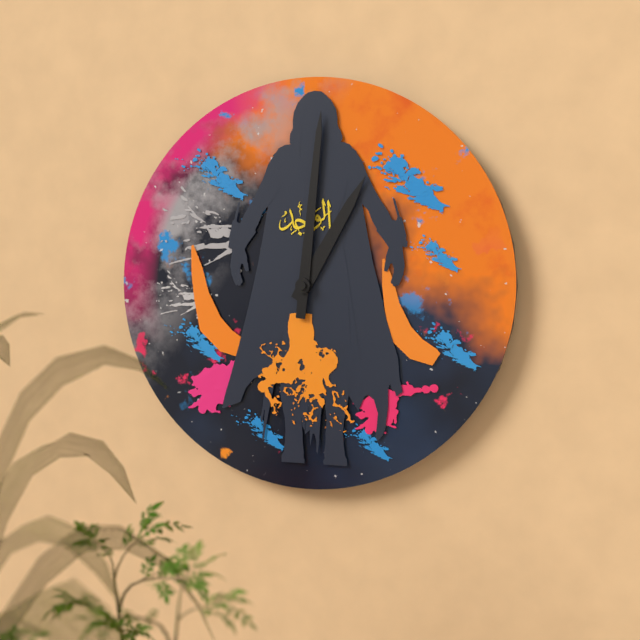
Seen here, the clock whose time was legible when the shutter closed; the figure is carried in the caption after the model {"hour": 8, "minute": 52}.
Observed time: {"hour": 1, "minute": 1}
